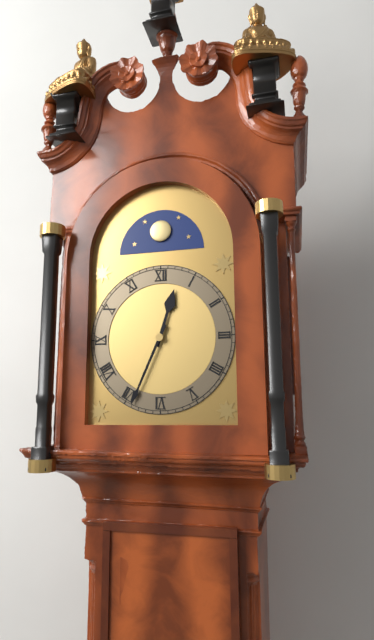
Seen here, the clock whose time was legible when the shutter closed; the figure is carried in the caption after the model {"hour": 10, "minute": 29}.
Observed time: {"hour": 12, "minute": 34}
